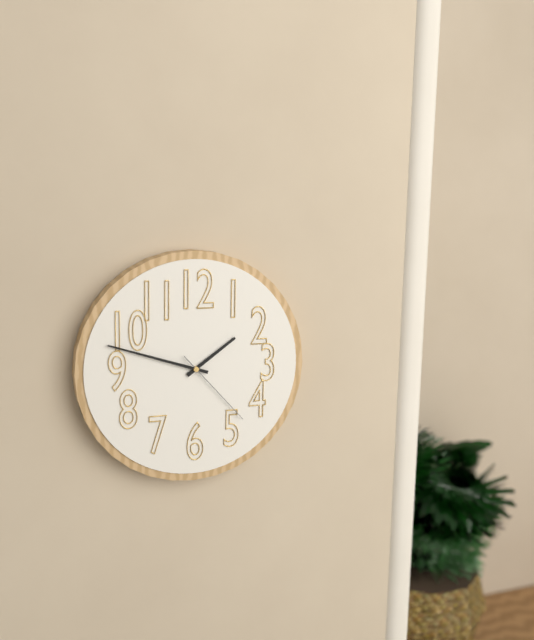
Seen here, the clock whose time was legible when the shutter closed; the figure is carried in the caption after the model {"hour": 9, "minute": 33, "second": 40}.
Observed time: {"hour": 1, "minute": 48, "second": 23}
